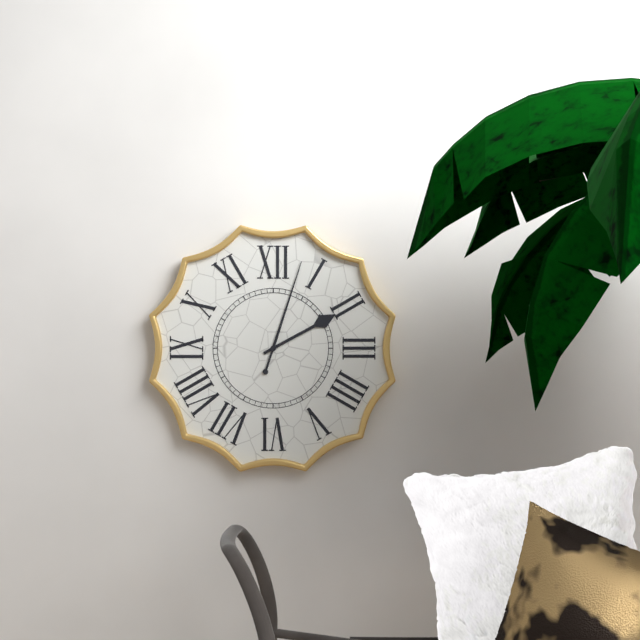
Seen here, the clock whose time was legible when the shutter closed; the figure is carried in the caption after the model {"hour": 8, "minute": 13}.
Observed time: {"hour": 2, "minute": 3}
